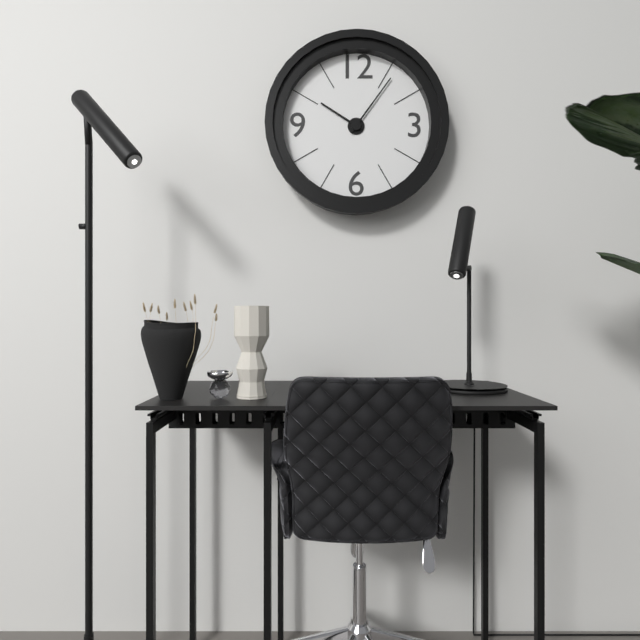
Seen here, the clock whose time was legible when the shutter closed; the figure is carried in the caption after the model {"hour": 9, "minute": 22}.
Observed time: {"hour": 10, "minute": 6}
